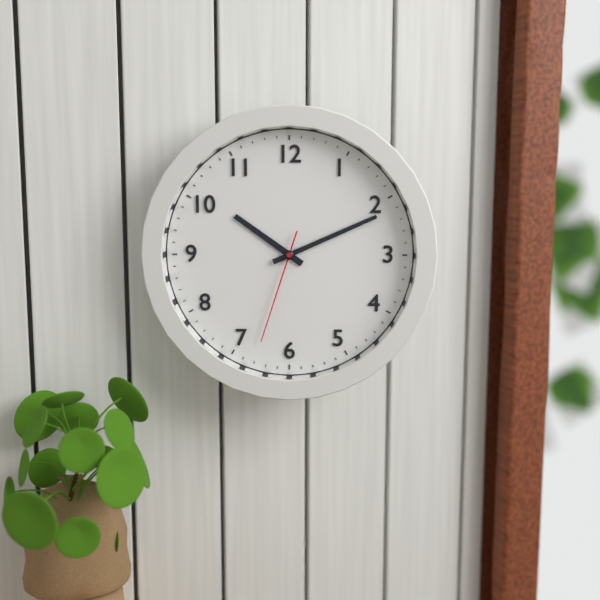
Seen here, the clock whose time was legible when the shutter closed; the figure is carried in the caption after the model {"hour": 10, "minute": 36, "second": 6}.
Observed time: {"hour": 10, "minute": 11, "second": 33}
